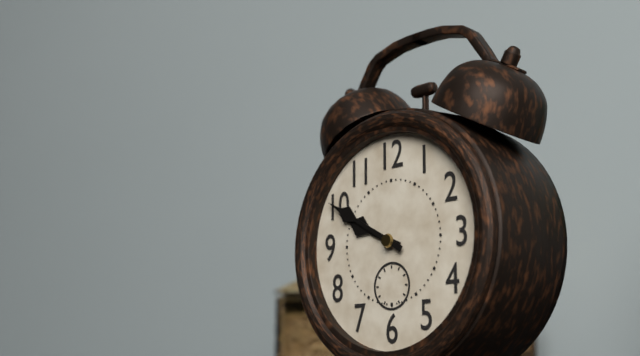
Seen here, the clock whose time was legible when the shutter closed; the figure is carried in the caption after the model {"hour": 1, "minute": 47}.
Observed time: {"hour": 9, "minute": 50}
